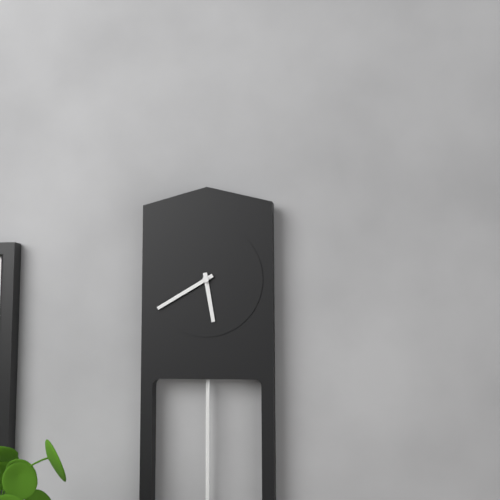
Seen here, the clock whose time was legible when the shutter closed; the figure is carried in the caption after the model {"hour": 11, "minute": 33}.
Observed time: {"hour": 5, "minute": 40}
